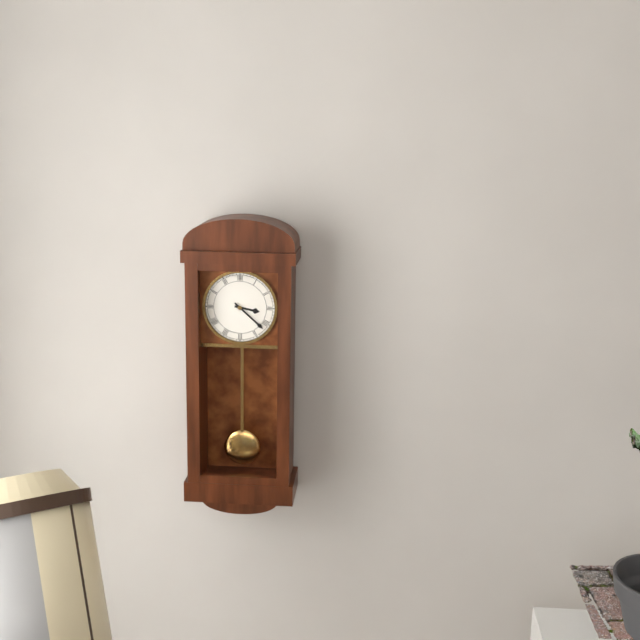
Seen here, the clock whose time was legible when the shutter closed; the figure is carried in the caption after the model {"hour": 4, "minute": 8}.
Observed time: {"hour": 3, "minute": 22}
